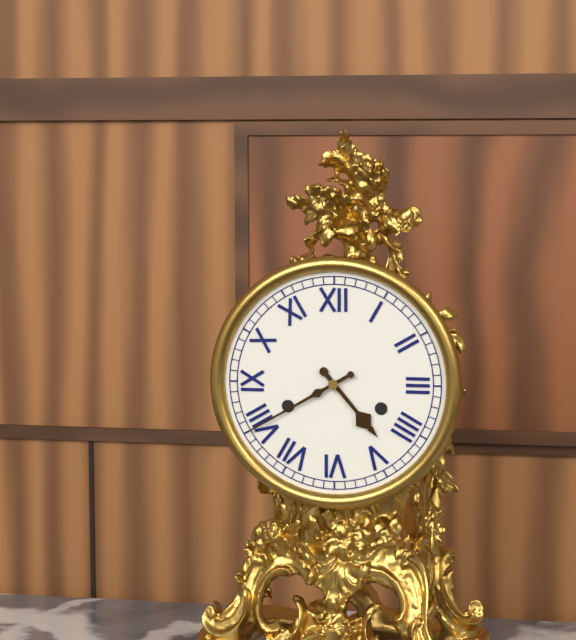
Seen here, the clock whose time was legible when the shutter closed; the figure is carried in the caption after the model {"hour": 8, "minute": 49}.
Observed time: {"hour": 4, "minute": 40}
